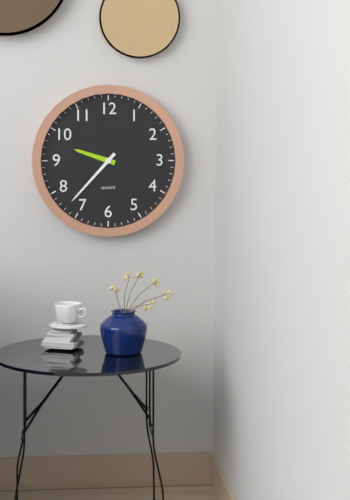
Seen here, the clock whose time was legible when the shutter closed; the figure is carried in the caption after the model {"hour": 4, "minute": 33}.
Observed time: {"hour": 9, "minute": 37}
